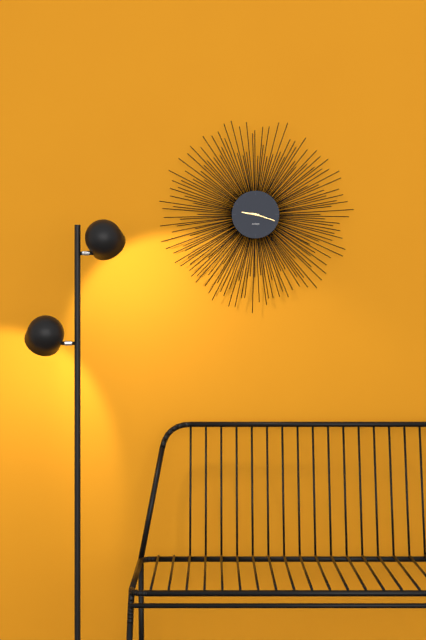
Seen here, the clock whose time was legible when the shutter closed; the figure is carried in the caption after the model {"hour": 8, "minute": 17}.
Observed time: {"hour": 9, "minute": 18}
